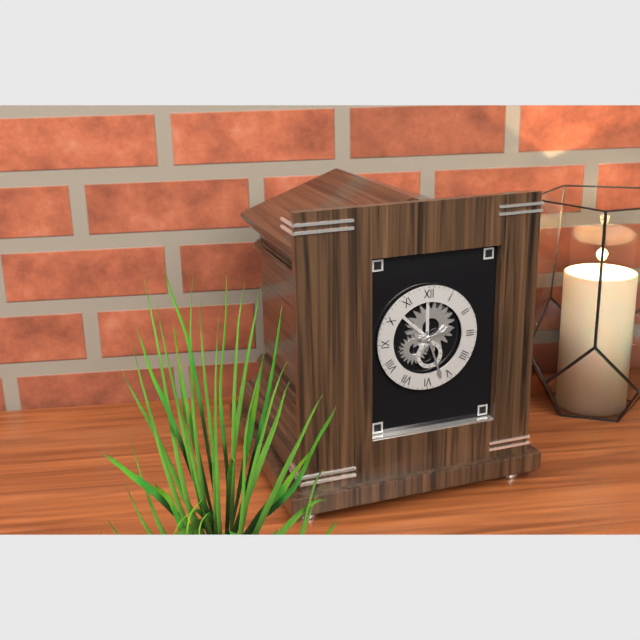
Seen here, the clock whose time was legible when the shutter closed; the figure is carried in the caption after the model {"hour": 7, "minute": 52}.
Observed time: {"hour": 2, "minute": 27}
